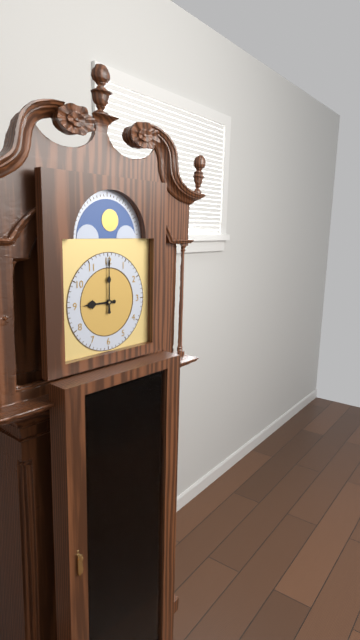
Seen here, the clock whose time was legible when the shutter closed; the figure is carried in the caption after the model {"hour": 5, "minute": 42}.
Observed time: {"hour": 9, "minute": 0}
